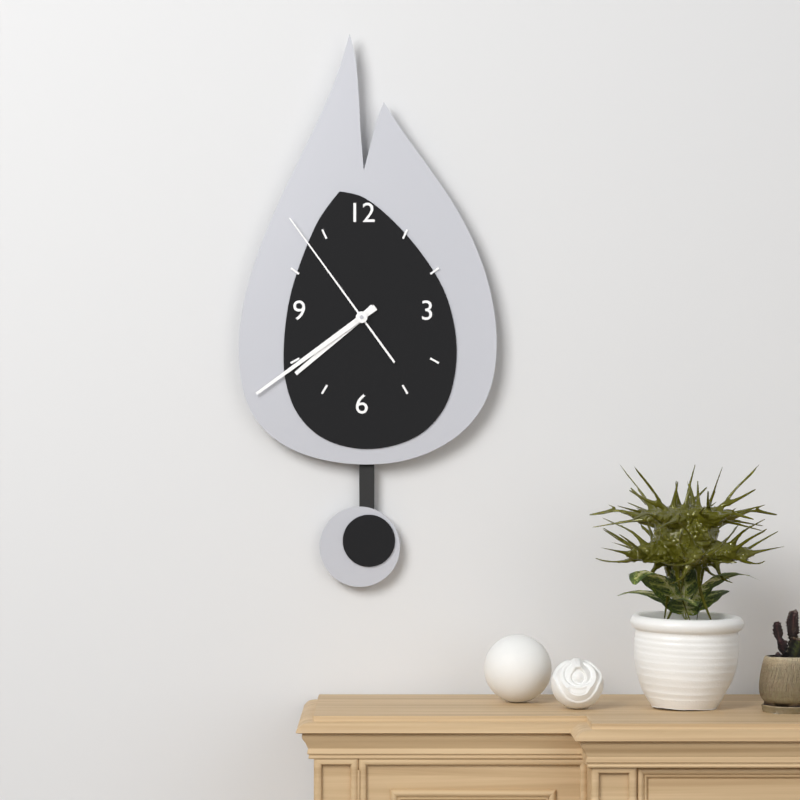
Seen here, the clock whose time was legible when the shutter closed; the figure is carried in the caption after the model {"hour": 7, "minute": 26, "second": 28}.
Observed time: {"hour": 7, "minute": 39, "second": 54}
